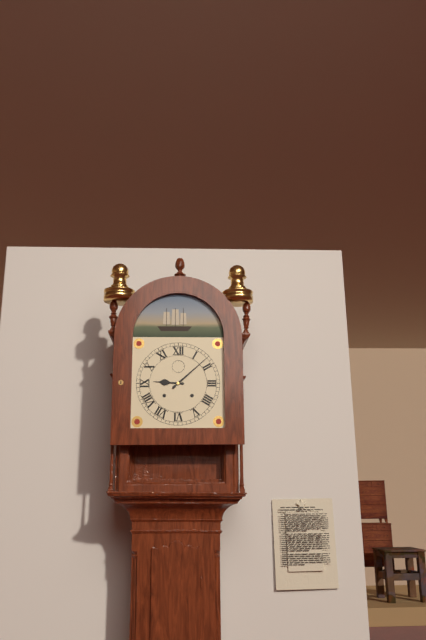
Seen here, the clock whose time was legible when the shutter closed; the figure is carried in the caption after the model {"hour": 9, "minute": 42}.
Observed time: {"hour": 9, "minute": 8}
